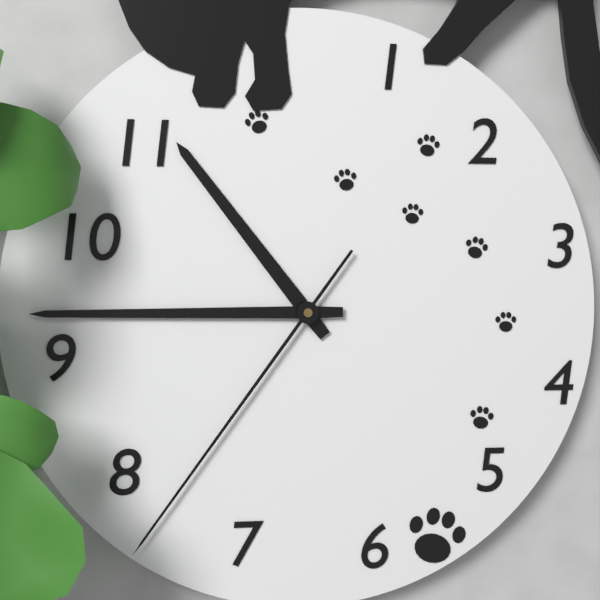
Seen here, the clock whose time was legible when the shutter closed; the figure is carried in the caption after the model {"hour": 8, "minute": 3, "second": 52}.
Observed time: {"hour": 10, "minute": 45, "second": 36}
